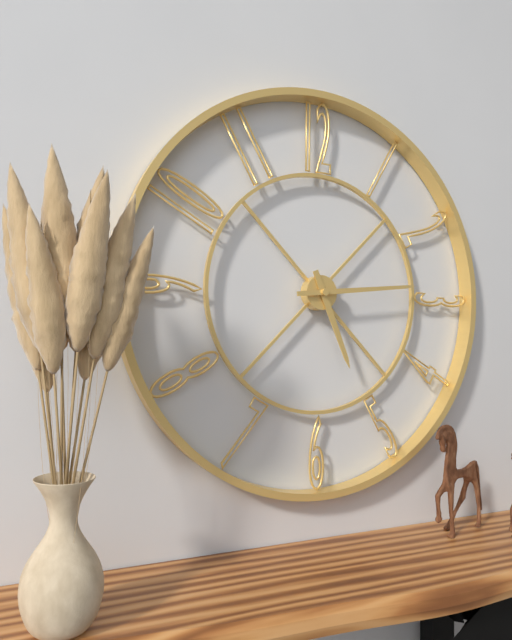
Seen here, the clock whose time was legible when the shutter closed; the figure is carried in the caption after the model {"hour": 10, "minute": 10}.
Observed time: {"hour": 5, "minute": 14}
